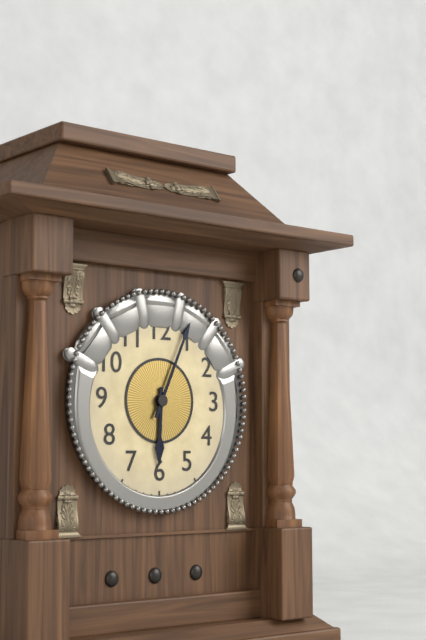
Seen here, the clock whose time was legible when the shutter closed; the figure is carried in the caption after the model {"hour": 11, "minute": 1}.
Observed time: {"hour": 6, "minute": 4}
